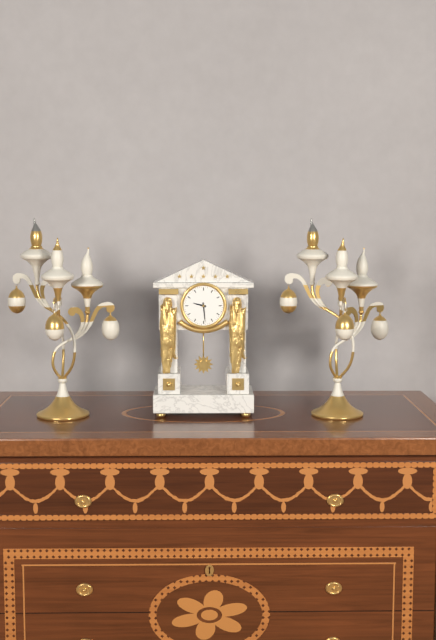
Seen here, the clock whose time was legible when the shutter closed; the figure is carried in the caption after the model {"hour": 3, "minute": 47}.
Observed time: {"hour": 9, "minute": 29}
